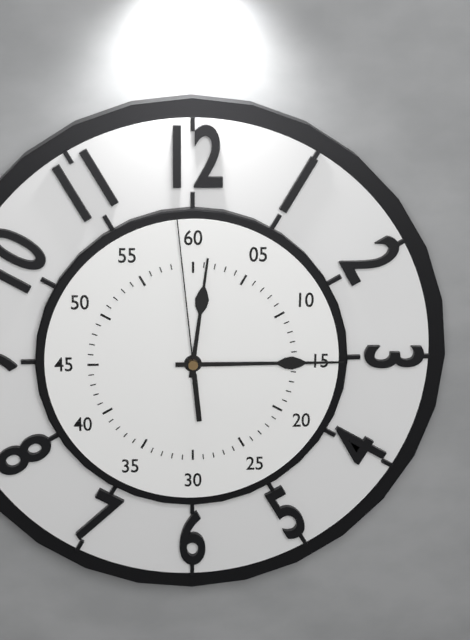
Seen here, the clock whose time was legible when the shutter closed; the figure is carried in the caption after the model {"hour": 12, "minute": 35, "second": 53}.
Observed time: {"hour": 12, "minute": 15, "second": 59}
